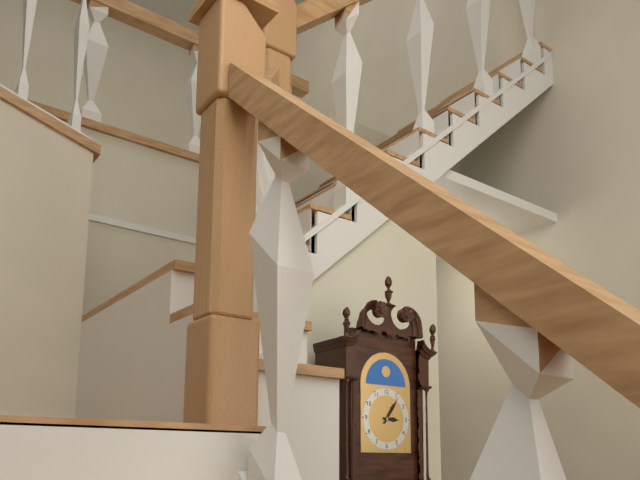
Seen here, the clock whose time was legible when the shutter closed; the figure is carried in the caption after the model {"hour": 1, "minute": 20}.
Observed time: {"hour": 3, "minute": 6}
